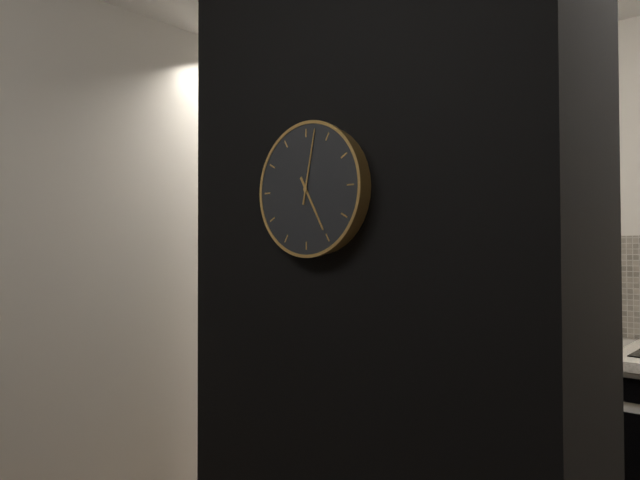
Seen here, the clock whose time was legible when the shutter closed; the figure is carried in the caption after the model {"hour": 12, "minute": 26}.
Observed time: {"hour": 5, "minute": 2}
